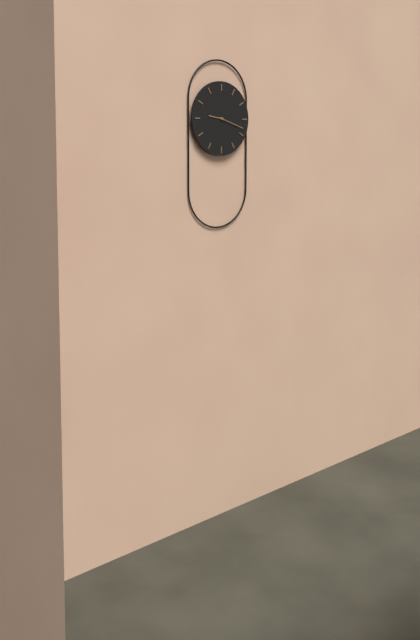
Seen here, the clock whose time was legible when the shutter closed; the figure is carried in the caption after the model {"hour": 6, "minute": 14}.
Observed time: {"hour": 9, "minute": 18}
